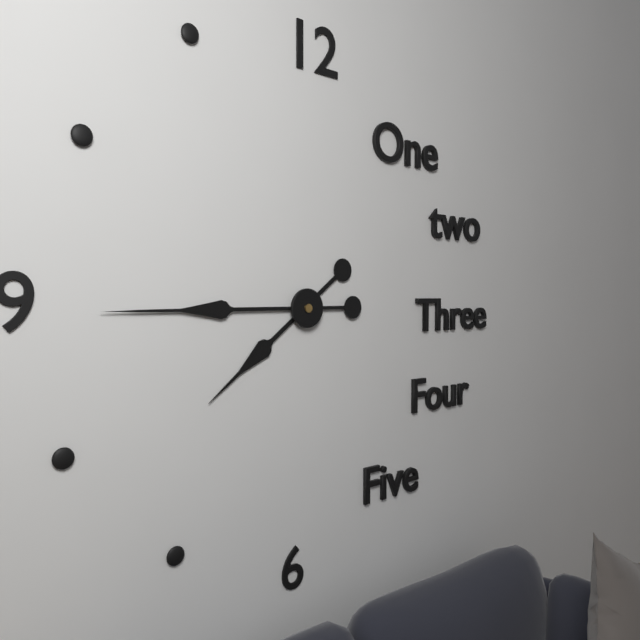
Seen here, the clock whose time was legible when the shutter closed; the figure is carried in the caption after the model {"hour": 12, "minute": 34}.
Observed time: {"hour": 7, "minute": 45}
